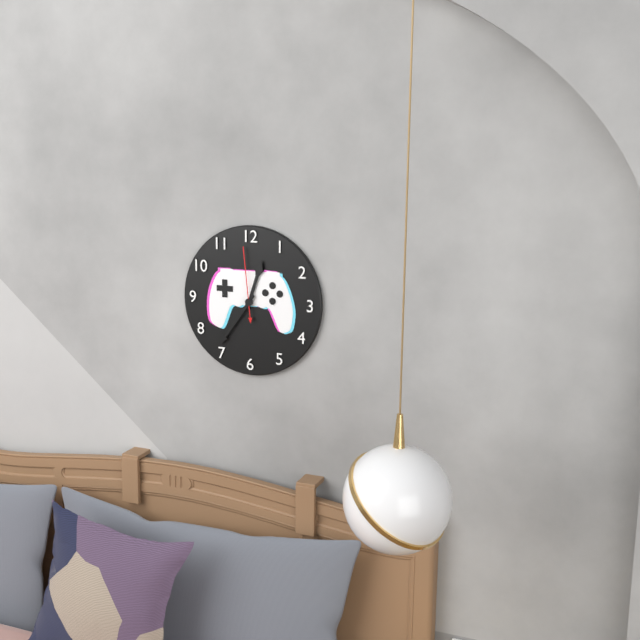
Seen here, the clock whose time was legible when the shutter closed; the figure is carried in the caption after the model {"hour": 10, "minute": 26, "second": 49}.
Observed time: {"hour": 12, "minute": 36, "second": 59}
